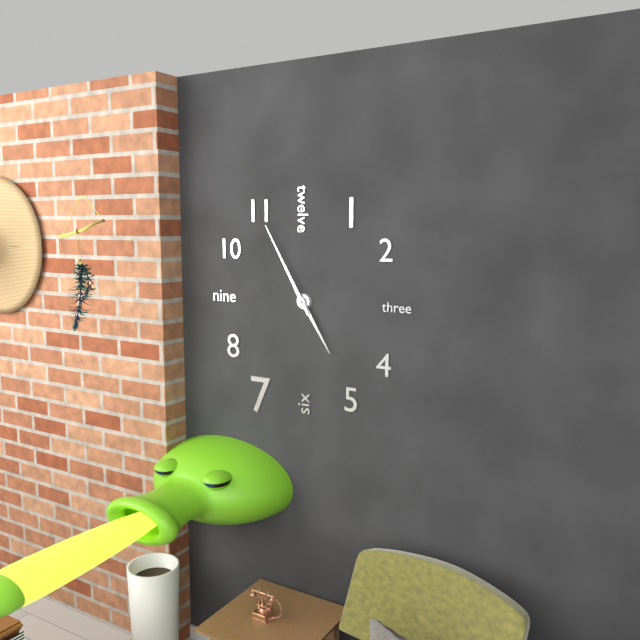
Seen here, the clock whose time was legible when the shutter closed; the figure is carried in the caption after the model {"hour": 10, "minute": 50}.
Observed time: {"hour": 4, "minute": 55}
